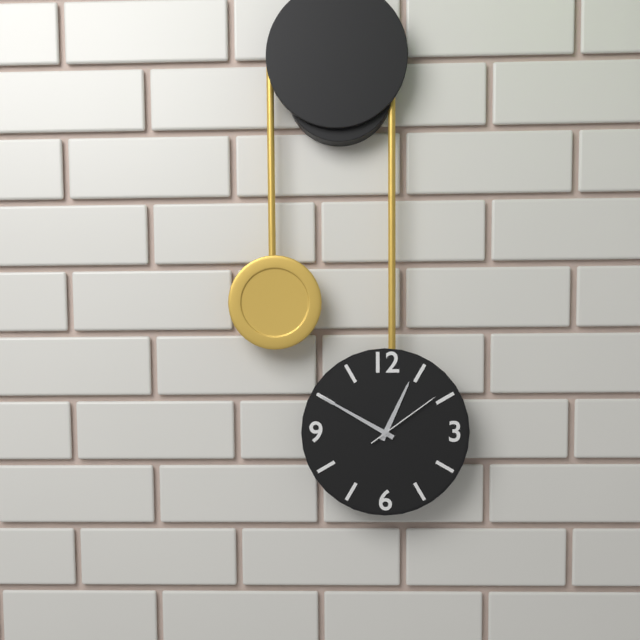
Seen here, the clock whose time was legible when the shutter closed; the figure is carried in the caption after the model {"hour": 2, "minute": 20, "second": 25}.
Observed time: {"hour": 12, "minute": 50, "second": 9}
